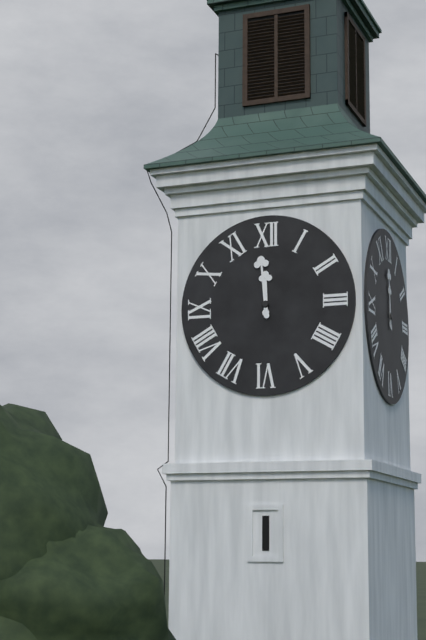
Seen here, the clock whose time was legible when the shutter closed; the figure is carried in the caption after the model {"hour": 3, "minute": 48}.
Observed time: {"hour": 11, "minute": 59}
